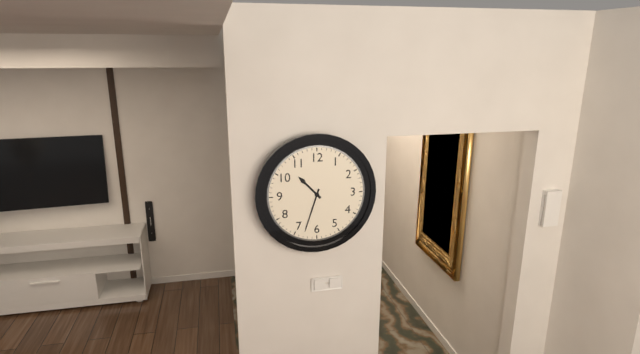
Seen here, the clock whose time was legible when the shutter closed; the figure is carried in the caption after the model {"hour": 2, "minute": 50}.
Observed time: {"hour": 10, "minute": 33}
